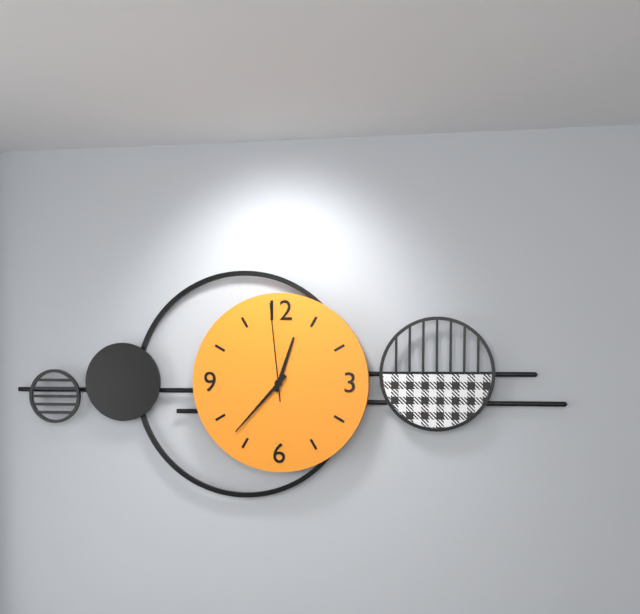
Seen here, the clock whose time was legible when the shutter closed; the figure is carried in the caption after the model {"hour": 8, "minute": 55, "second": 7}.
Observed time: {"hour": 12, "minute": 37, "second": 59}
